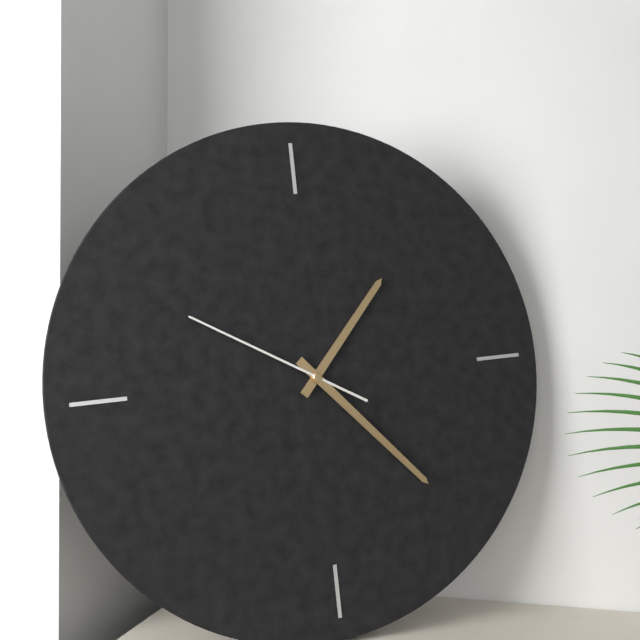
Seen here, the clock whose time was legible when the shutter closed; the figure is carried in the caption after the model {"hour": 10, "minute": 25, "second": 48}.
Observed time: {"hour": 1, "minute": 23, "second": 50}
